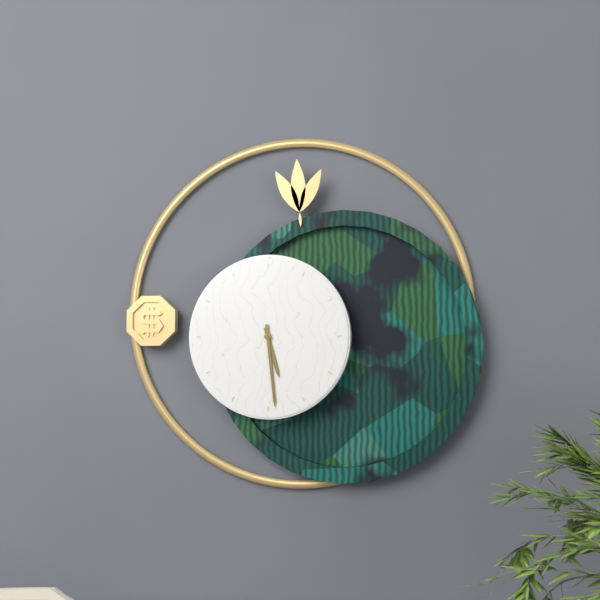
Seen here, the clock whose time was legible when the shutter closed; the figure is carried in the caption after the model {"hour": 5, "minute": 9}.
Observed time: {"hour": 5, "minute": 29}
